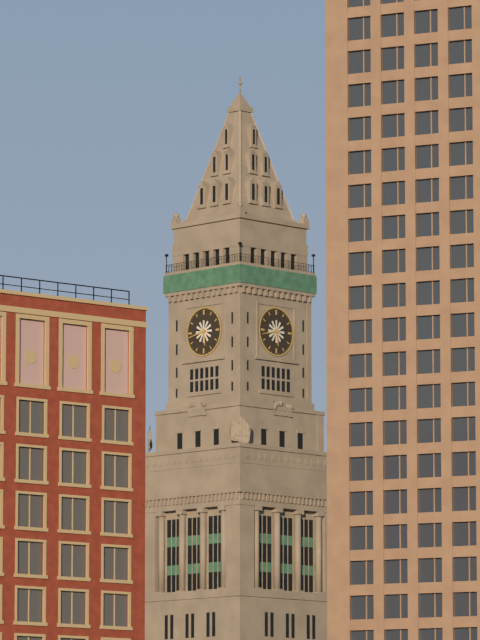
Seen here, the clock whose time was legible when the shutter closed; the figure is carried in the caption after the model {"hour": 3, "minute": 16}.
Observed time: {"hour": 5, "minute": 43}
